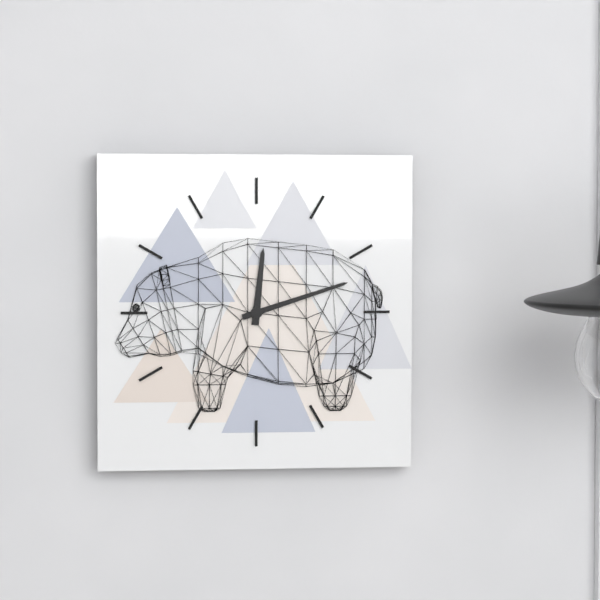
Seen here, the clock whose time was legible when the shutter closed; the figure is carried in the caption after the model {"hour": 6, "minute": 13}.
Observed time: {"hour": 12, "minute": 12}
